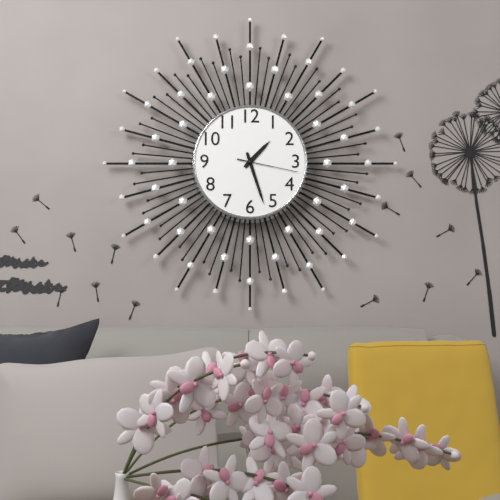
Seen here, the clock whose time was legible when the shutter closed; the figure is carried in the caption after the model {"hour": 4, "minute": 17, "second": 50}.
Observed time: {"hour": 1, "minute": 27, "second": 17}
